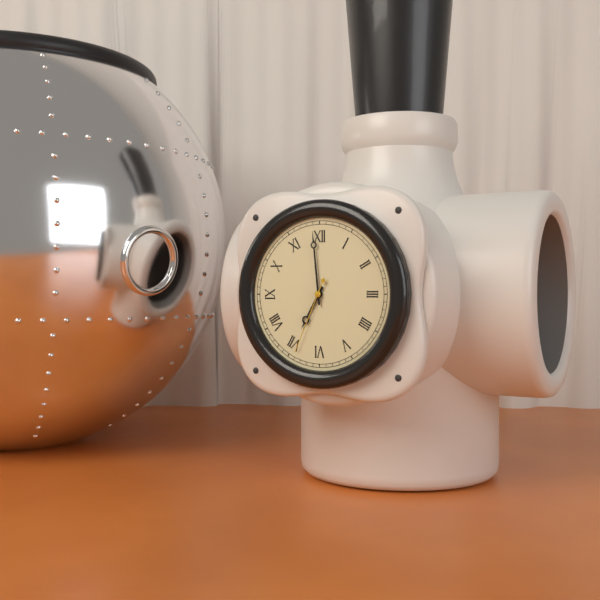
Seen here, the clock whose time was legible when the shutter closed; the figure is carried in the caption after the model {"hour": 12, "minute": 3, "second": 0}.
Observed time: {"hour": 6, "minute": 59, "second": 34}
